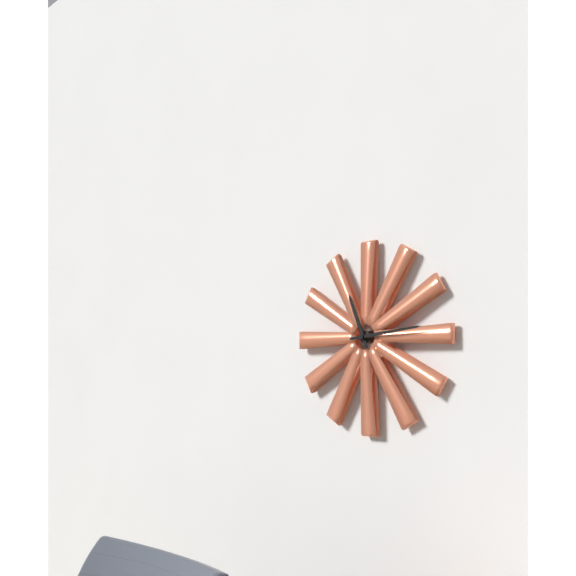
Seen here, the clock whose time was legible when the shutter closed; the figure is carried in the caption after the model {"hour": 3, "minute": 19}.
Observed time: {"hour": 11, "minute": 14}
